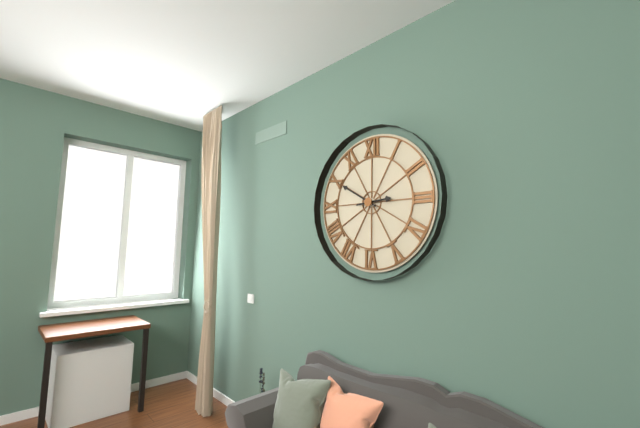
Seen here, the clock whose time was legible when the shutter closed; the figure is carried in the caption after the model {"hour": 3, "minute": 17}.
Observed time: {"hour": 2, "minute": 50}
